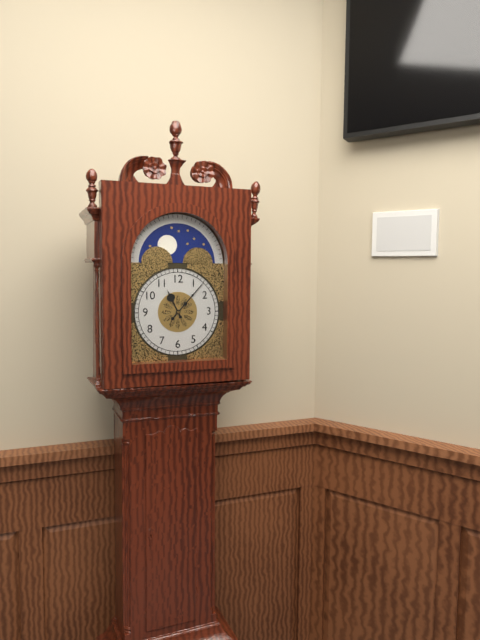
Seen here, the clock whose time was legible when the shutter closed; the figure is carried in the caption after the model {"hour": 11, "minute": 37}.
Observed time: {"hour": 11, "minute": 7}
